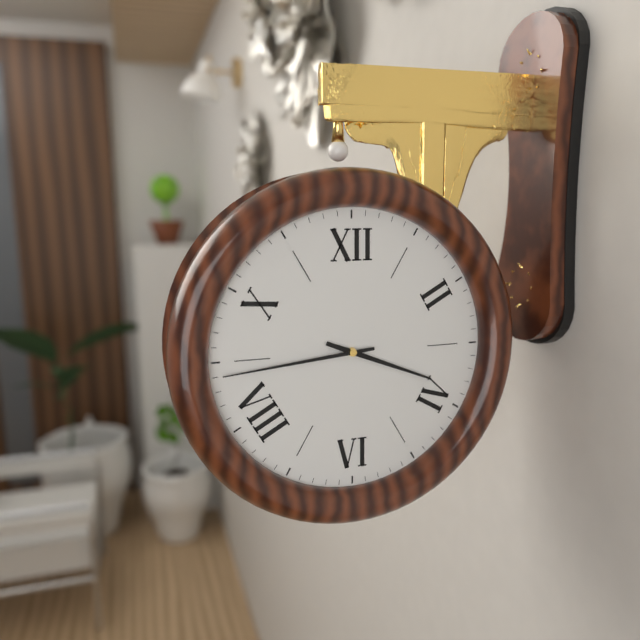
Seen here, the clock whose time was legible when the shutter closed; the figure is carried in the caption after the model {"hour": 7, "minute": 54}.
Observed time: {"hour": 3, "minute": 44}
